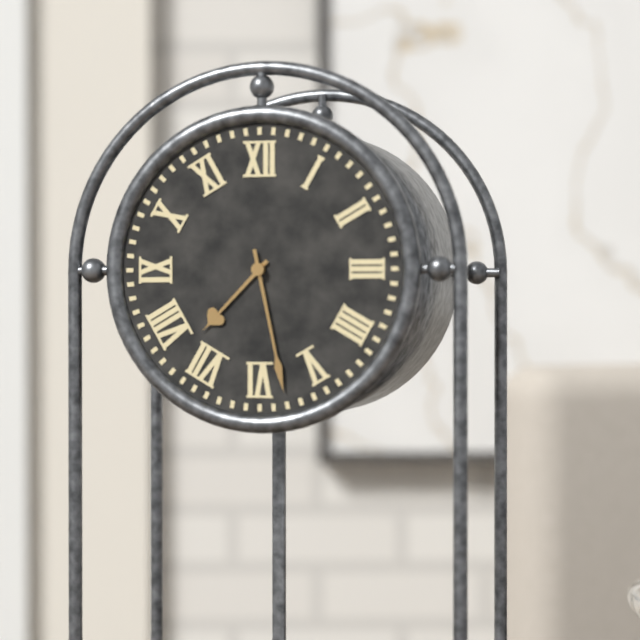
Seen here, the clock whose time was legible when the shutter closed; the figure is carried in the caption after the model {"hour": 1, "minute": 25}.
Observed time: {"hour": 7, "minute": 28}
